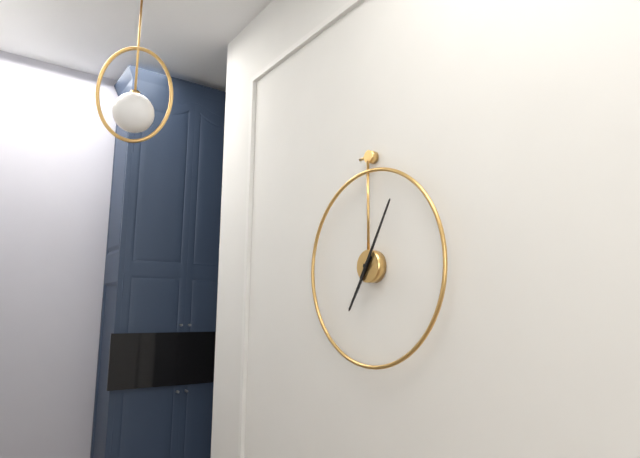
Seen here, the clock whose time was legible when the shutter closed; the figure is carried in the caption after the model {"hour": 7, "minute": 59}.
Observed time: {"hour": 7, "minute": 5}
